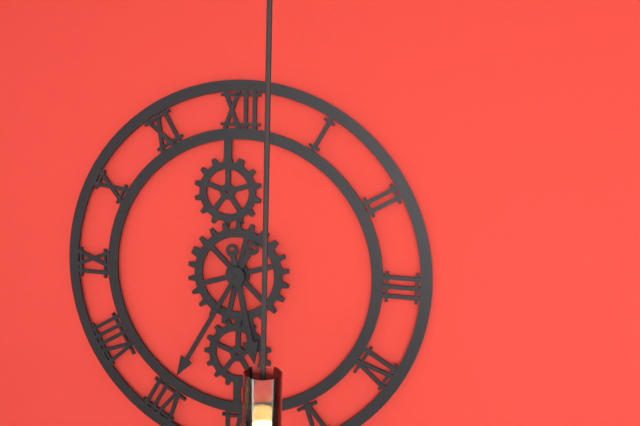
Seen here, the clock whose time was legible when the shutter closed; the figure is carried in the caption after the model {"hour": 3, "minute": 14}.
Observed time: {"hour": 5, "minute": 35}
